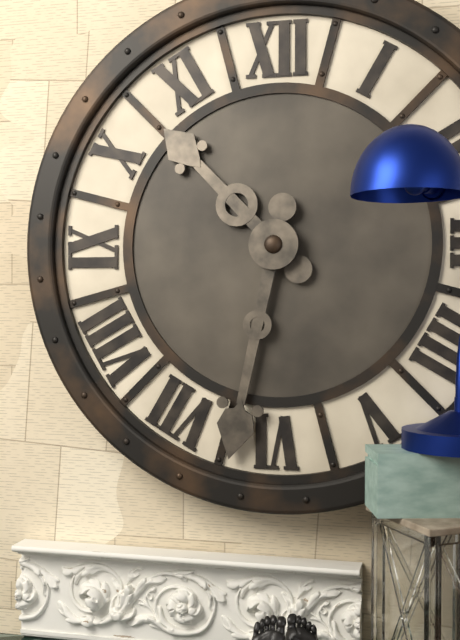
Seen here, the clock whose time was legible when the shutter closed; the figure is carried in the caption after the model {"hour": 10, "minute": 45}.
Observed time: {"hour": 10, "minute": 32}
